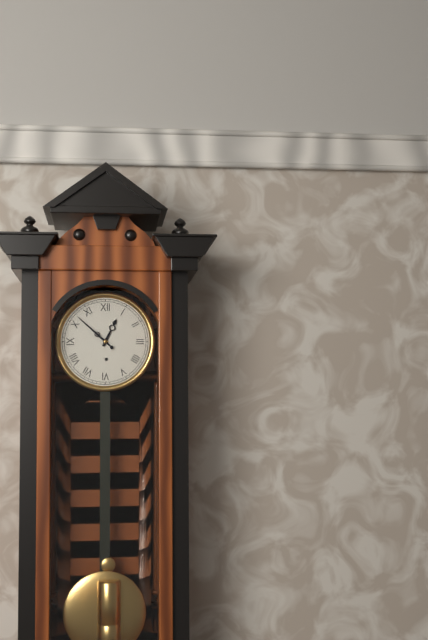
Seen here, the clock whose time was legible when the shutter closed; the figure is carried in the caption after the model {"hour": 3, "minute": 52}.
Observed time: {"hour": 12, "minute": 52}
